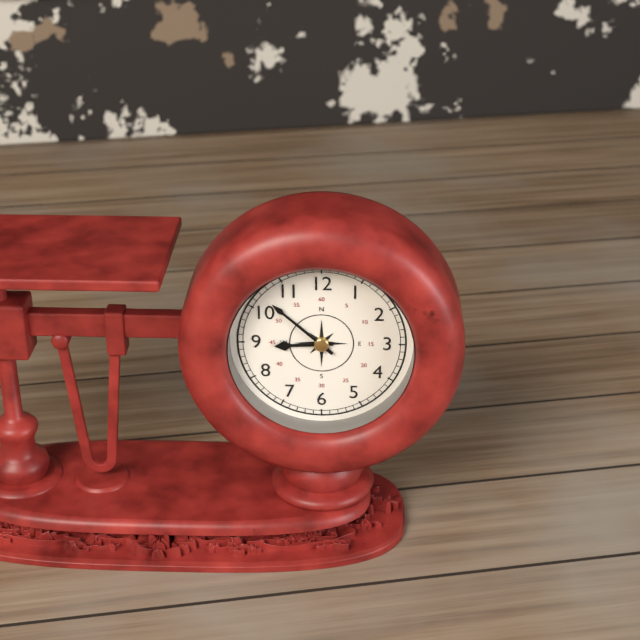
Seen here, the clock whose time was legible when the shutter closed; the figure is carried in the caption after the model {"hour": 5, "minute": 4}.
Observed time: {"hour": 8, "minute": 52}
